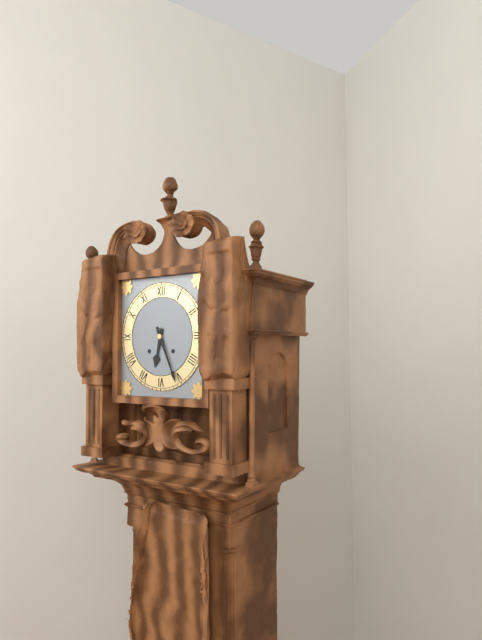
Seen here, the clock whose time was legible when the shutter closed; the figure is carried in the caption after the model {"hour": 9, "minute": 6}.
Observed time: {"hour": 6, "minute": 26}
